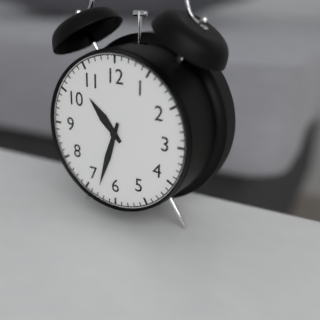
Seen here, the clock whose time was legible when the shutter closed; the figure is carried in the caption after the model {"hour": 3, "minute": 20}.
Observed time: {"hour": 10, "minute": 33}
